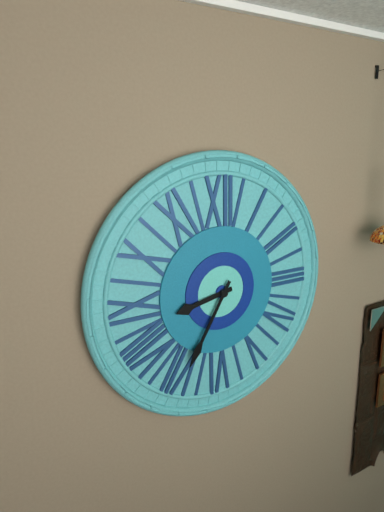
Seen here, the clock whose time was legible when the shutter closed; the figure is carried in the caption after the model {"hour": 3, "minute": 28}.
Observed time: {"hour": 8, "minute": 35}
